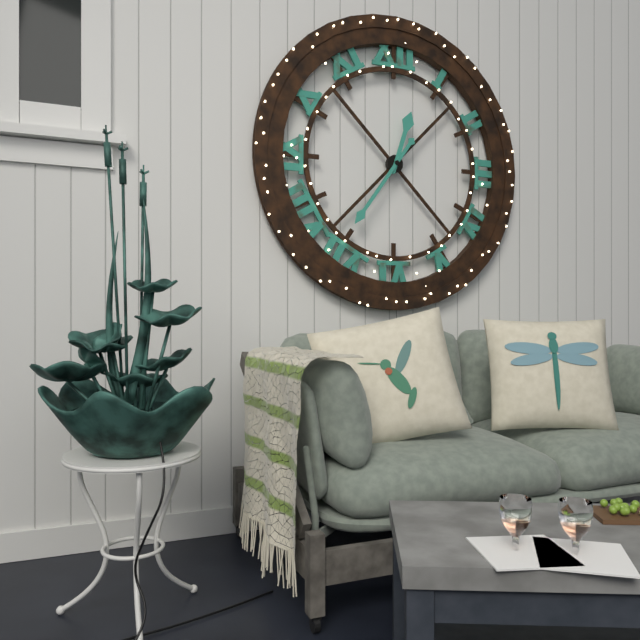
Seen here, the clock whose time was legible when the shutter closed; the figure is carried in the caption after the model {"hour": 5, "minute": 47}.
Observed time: {"hour": 12, "minute": 36}
